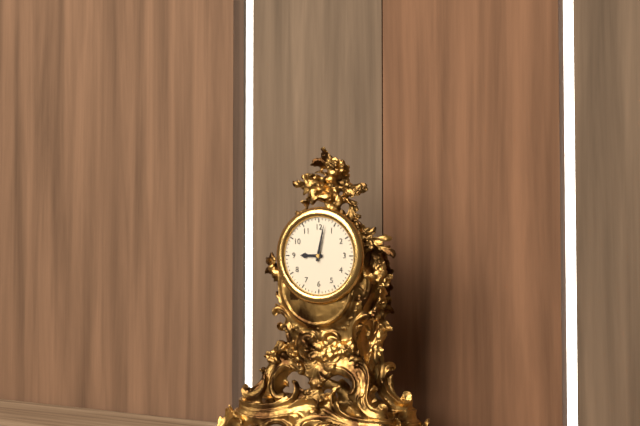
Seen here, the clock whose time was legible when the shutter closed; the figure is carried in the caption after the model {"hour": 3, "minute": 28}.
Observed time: {"hour": 9, "minute": 2}
